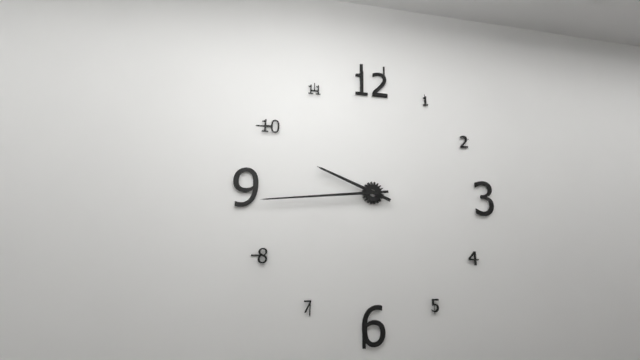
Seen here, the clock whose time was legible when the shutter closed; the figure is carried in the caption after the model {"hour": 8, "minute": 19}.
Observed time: {"hour": 9, "minute": 44}
